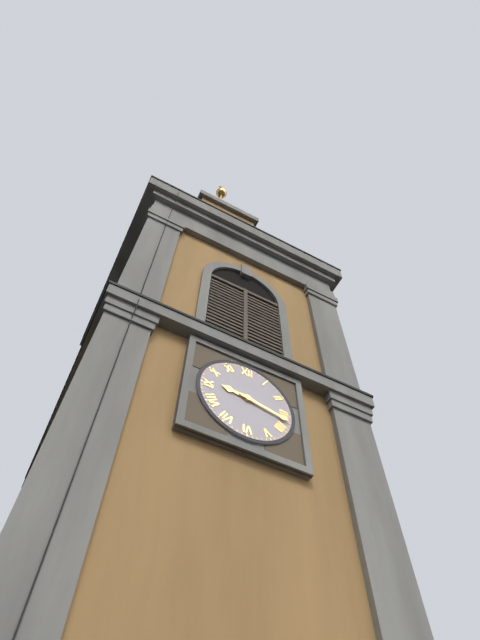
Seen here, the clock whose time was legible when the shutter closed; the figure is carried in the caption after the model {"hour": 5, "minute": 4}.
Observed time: {"hour": 9, "minute": 17}
